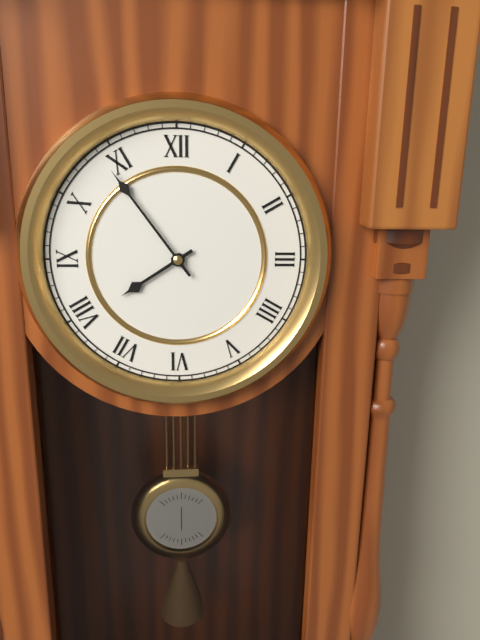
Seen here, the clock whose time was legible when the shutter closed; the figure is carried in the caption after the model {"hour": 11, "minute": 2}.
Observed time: {"hour": 7, "minute": 54}
